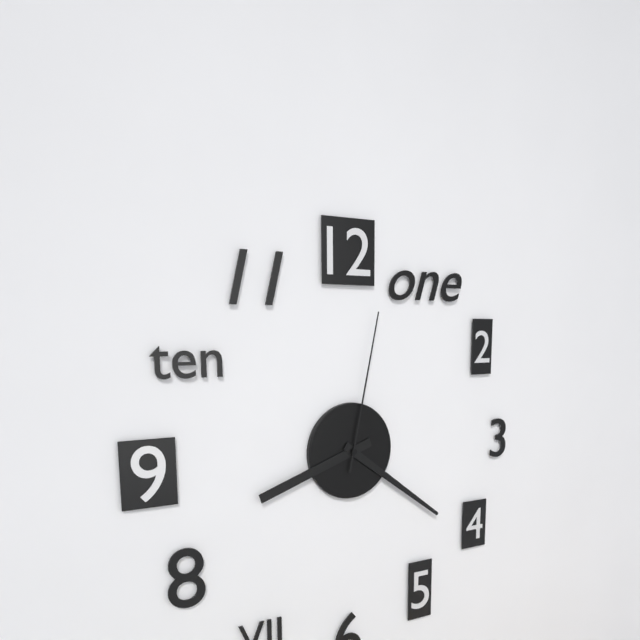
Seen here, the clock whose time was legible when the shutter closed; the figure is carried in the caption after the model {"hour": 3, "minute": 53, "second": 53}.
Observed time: {"hour": 8, "minute": 21, "second": 2}
